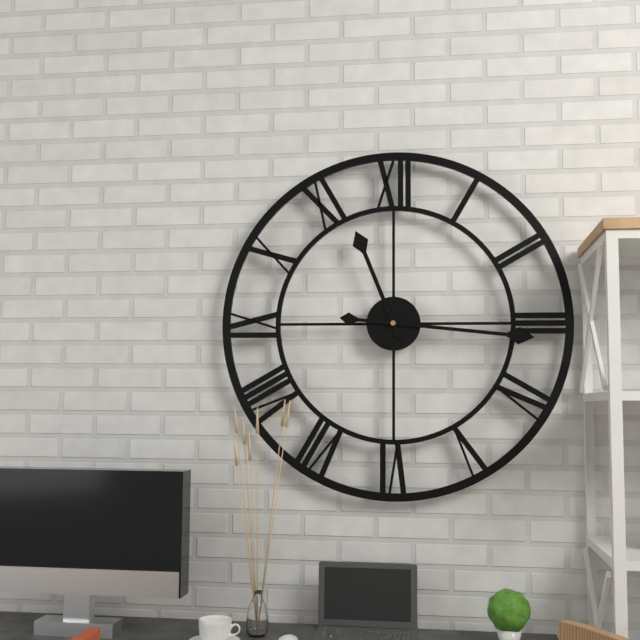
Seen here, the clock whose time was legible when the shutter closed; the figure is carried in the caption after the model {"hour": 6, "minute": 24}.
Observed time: {"hour": 11, "minute": 16}
